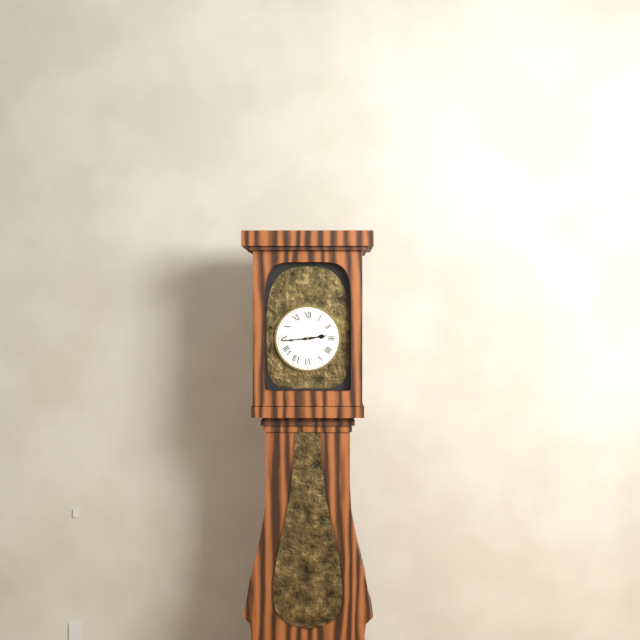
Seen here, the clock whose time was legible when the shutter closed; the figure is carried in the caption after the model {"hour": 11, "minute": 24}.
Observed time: {"hour": 2, "minute": 44}
